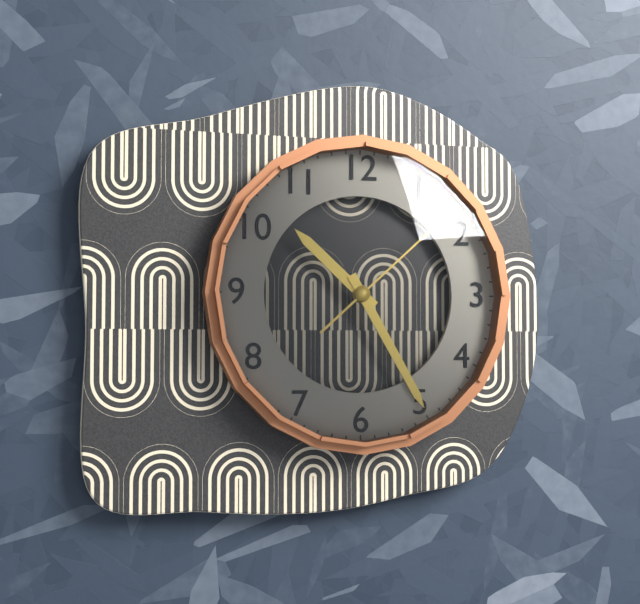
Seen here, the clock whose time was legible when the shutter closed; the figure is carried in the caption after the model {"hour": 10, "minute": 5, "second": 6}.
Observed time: {"hour": 10, "minute": 25, "second": 8}
